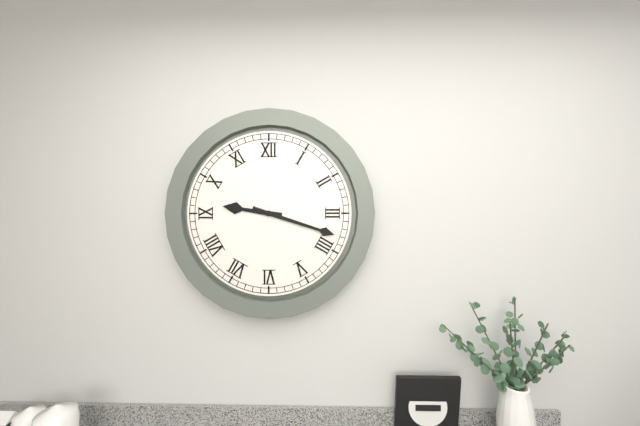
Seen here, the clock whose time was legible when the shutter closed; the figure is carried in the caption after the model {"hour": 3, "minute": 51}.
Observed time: {"hour": 9, "minute": 18}
